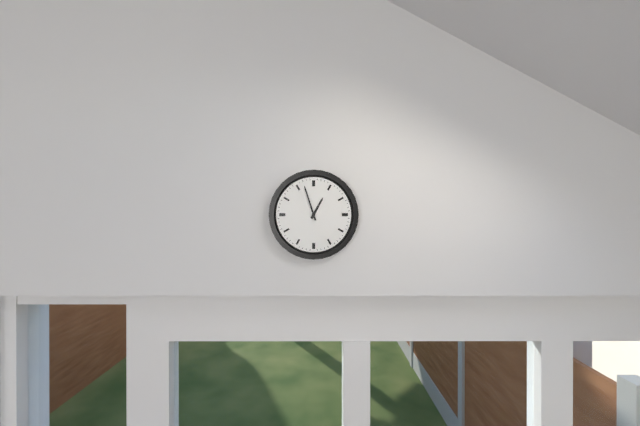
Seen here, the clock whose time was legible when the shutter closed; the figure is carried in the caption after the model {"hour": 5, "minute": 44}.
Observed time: {"hour": 12, "minute": 57}
